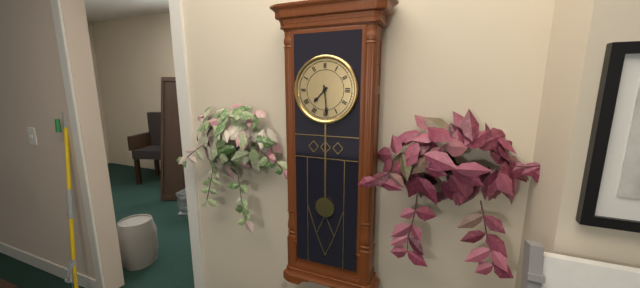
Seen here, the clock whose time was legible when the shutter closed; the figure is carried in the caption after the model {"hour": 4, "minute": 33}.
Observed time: {"hour": 7, "minute": 29}
